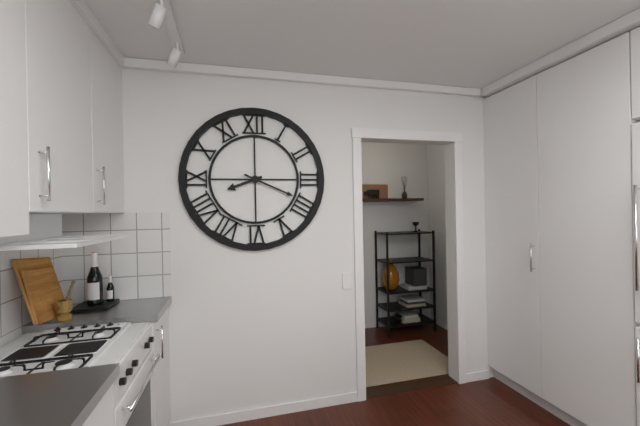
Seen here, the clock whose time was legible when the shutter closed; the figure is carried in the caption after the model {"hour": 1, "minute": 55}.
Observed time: {"hour": 8, "minute": 19}
